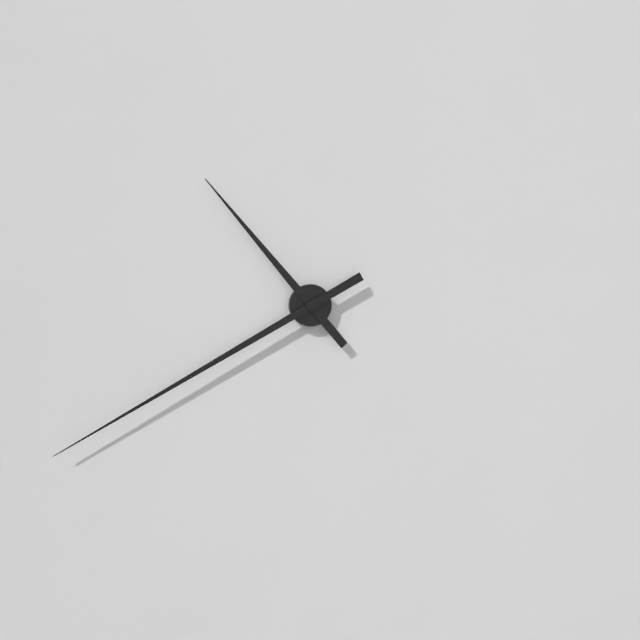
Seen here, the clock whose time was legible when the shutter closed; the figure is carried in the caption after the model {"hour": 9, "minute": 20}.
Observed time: {"hour": 10, "minute": 40}
